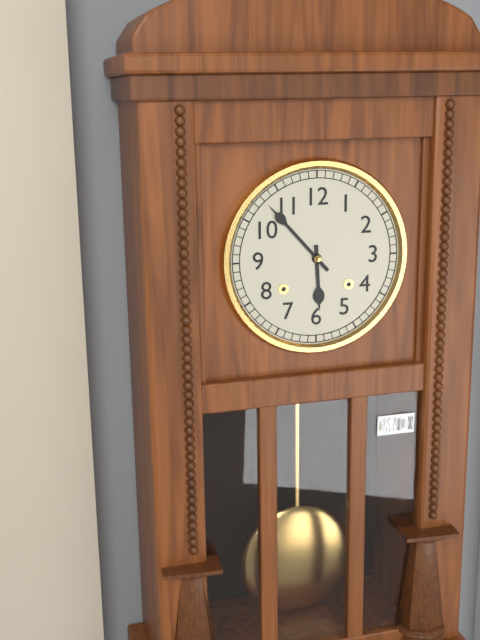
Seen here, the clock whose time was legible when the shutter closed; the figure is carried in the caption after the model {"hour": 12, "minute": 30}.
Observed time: {"hour": 5, "minute": 53}
